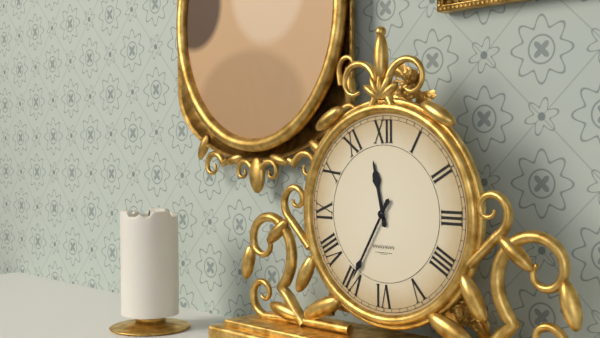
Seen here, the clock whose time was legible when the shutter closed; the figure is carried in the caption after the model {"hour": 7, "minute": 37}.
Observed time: {"hour": 11, "minute": 35}
